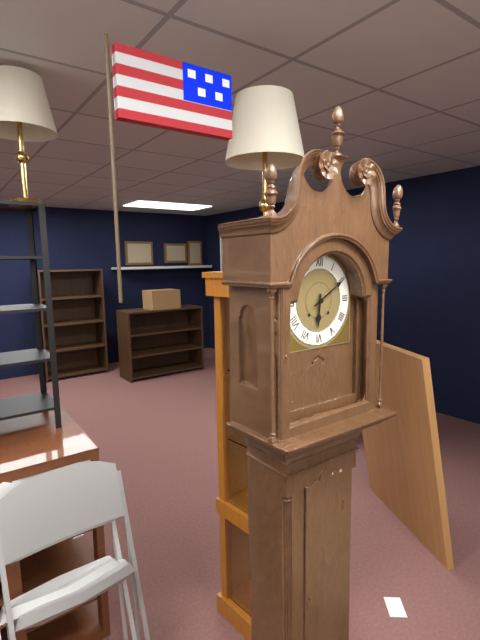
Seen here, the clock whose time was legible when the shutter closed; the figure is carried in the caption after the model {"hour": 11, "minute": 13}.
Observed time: {"hour": 6, "minute": 10}
